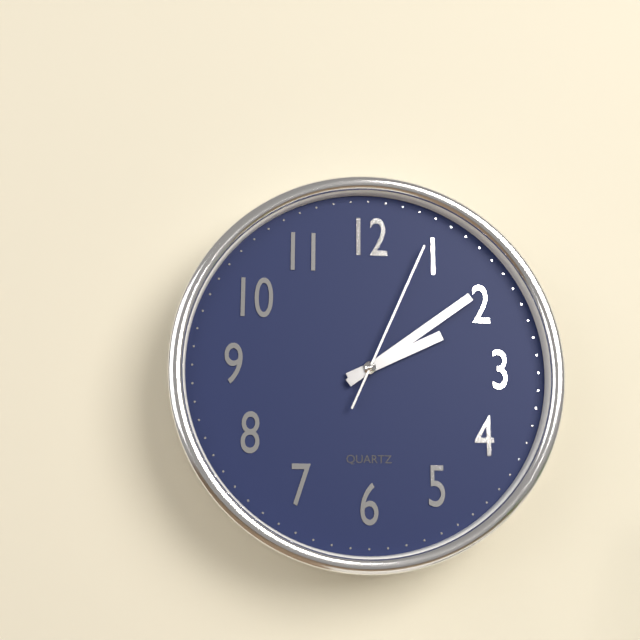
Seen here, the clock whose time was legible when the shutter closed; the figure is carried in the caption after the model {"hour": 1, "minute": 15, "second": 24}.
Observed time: {"hour": 2, "minute": 9, "second": 4}
